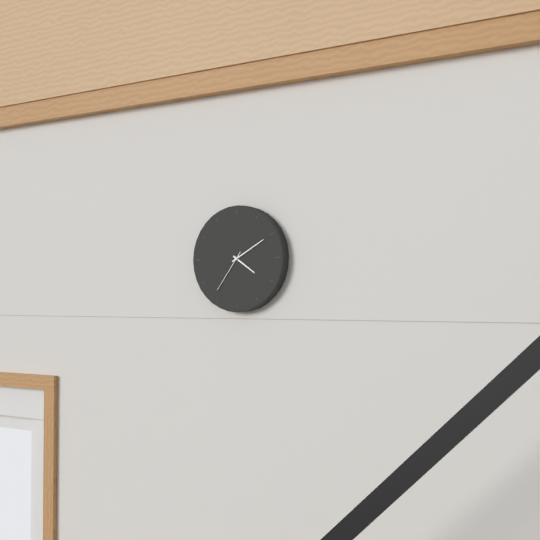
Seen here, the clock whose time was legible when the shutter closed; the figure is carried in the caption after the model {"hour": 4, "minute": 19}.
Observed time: {"hour": 4, "minute": 10}
